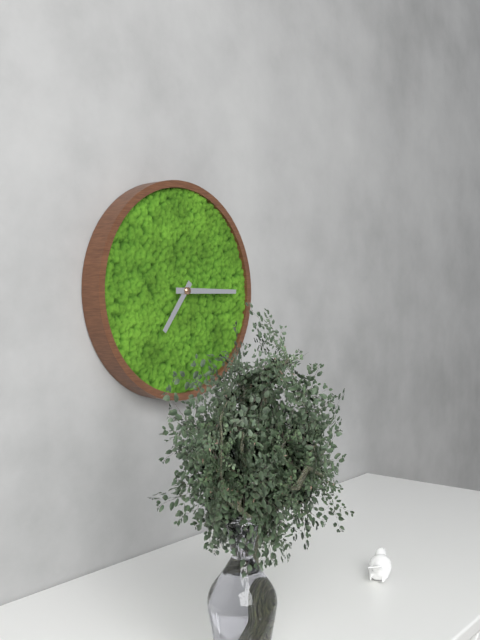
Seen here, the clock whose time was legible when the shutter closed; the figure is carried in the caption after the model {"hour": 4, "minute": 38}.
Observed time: {"hour": 7, "minute": 15}
